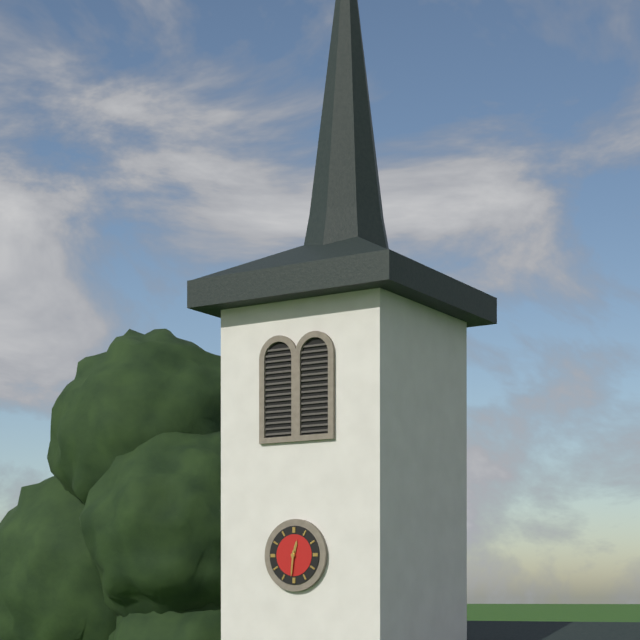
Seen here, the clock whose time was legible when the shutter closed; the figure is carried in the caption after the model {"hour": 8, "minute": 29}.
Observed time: {"hour": 12, "minute": 31}
